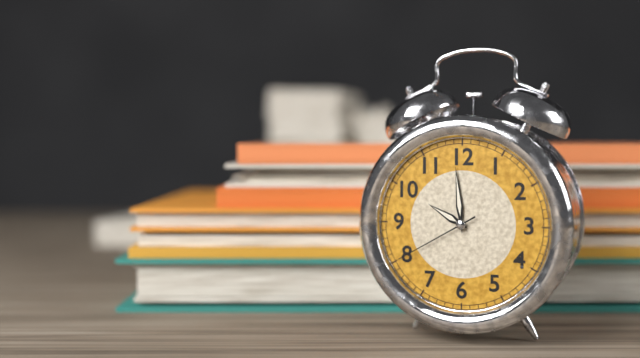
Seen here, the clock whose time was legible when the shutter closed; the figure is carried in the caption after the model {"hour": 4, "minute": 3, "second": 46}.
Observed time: {"hour": 9, "minute": 59, "second": 40}
